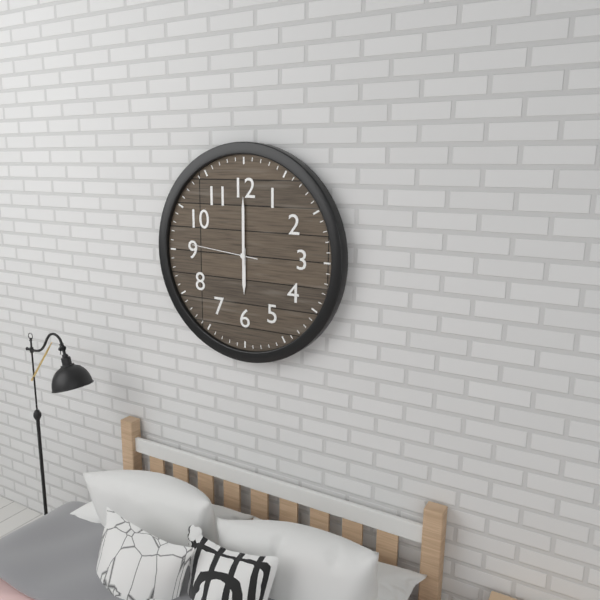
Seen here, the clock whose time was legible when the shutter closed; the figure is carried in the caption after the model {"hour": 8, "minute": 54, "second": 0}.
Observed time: {"hour": 6, "minute": 0, "second": 46}
